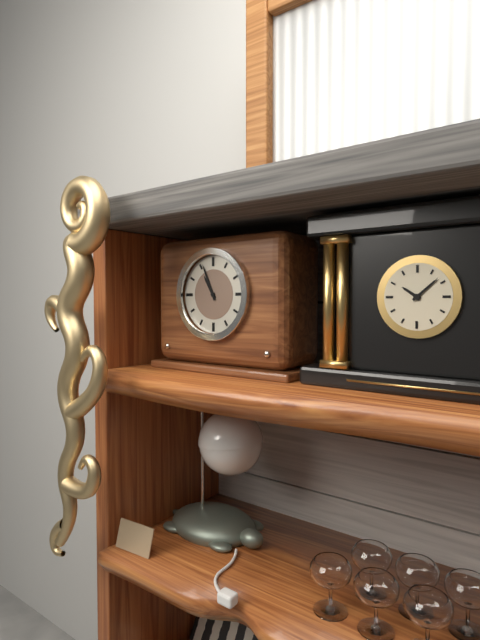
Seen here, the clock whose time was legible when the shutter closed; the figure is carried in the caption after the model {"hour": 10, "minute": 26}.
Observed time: {"hour": 10, "minute": 56}
